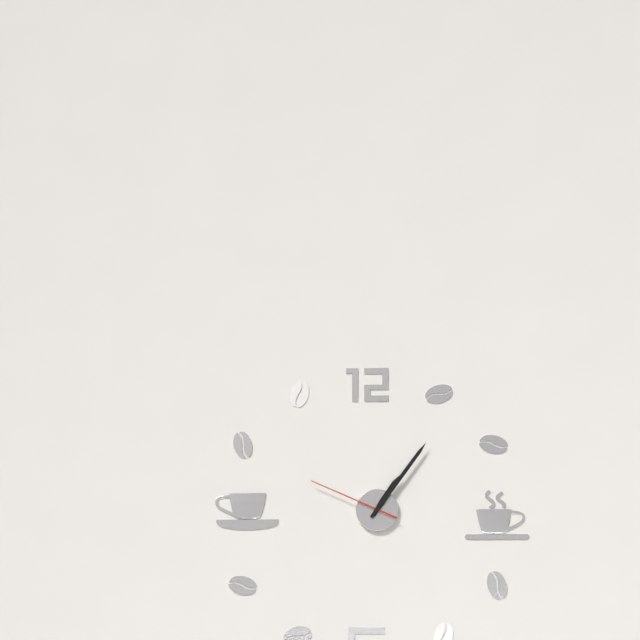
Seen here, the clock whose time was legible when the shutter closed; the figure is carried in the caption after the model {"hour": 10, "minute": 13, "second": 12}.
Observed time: {"hour": 1, "minute": 6, "second": 49}
